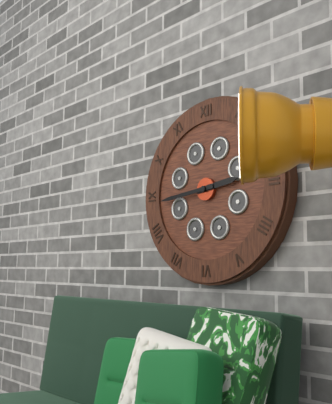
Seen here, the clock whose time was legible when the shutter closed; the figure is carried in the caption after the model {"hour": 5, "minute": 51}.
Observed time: {"hour": 2, "minute": 44}
